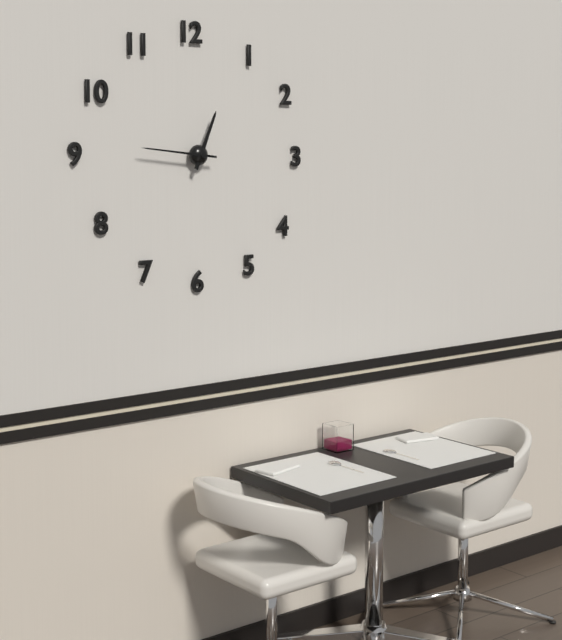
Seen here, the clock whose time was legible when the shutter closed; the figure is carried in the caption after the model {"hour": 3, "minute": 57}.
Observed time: {"hour": 12, "minute": 46}
